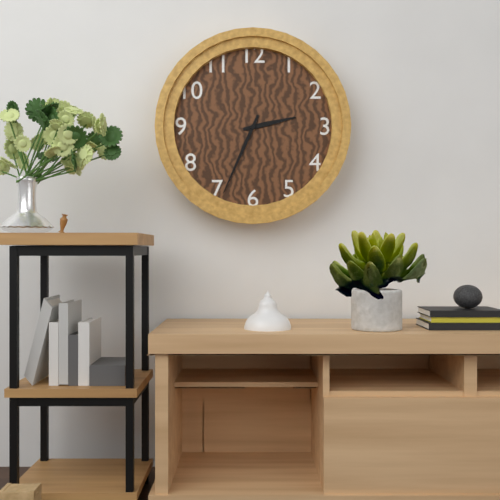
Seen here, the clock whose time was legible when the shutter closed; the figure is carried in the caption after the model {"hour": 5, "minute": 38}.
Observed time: {"hour": 2, "minute": 34}
